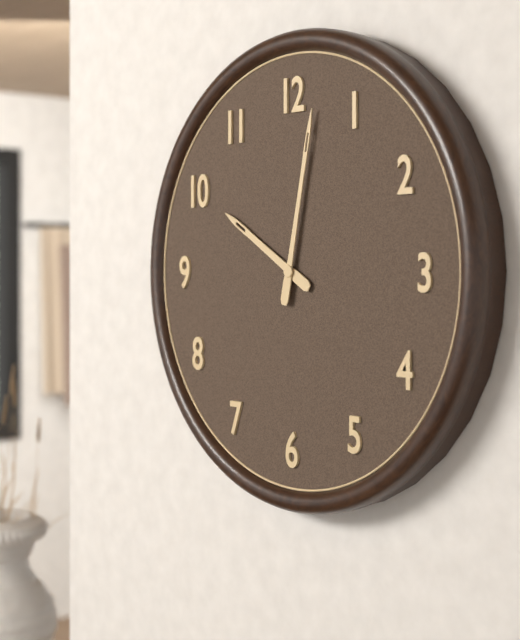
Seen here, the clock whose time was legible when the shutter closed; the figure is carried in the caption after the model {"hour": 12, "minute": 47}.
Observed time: {"hour": 10, "minute": 2}
